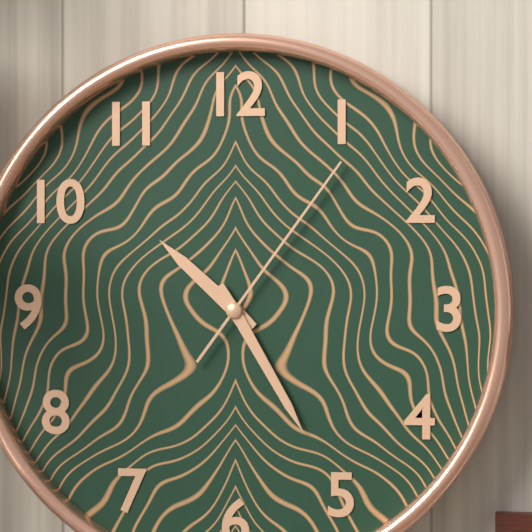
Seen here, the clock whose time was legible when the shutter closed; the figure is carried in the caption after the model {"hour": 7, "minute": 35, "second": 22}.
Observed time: {"hour": 10, "minute": 25, "second": 6}
